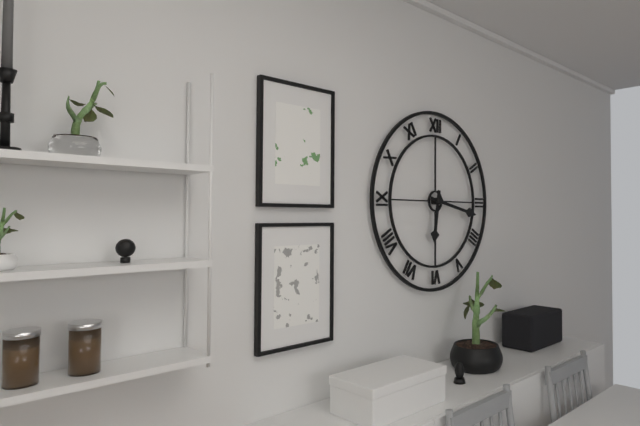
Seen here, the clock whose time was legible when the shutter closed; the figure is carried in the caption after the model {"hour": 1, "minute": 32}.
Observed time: {"hour": 6, "minute": 17}
